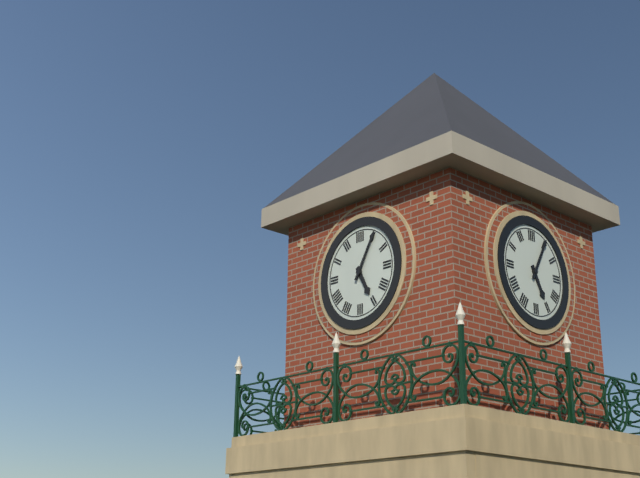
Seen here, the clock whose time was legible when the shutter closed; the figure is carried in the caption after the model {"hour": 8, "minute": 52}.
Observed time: {"hour": 5, "minute": 5}
